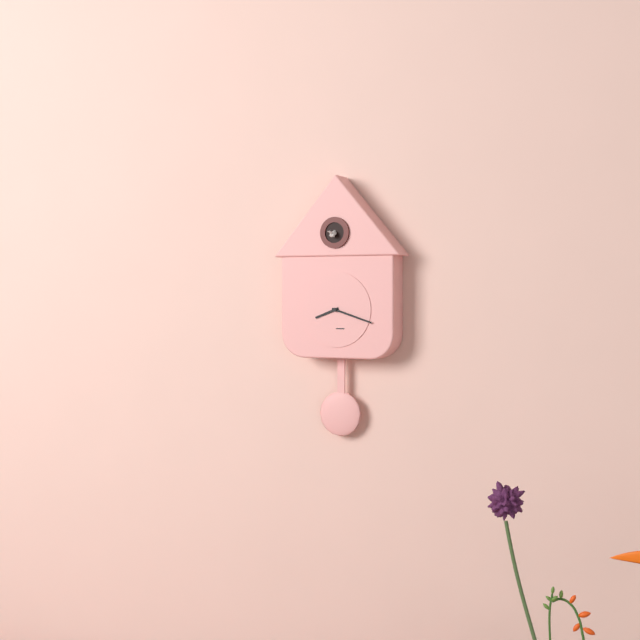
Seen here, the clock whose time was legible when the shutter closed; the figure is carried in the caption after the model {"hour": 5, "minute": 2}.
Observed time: {"hour": 8, "minute": 18}
